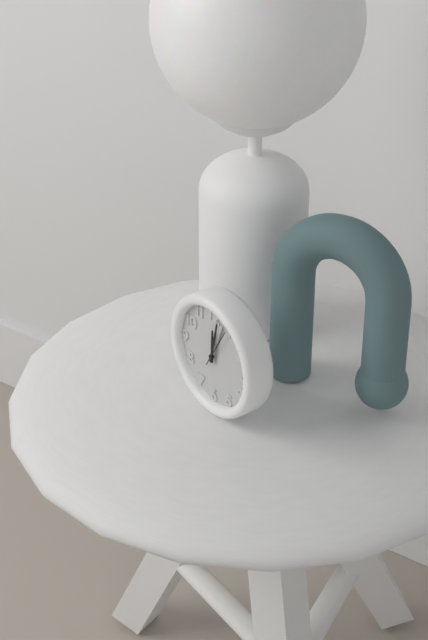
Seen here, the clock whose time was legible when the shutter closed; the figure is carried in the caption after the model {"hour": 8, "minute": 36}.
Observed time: {"hour": 12, "minute": 2}
